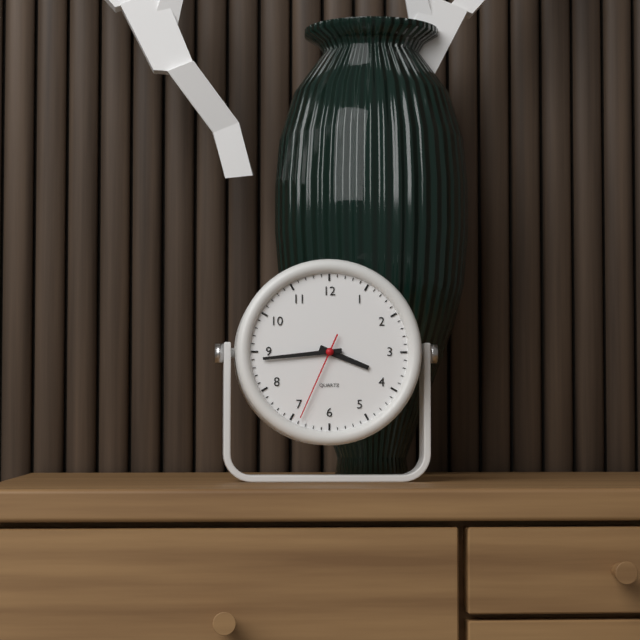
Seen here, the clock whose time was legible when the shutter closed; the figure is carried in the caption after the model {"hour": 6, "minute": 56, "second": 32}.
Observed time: {"hour": 3, "minute": 44, "second": 34}
